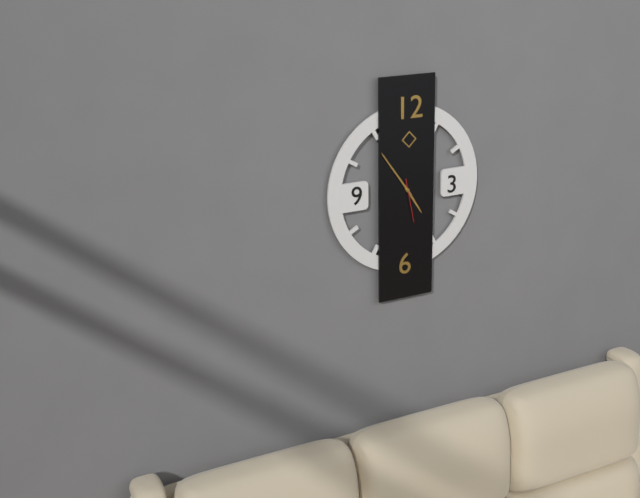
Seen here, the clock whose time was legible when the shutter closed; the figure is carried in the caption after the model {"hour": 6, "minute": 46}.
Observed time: {"hour": 4, "minute": 54}
